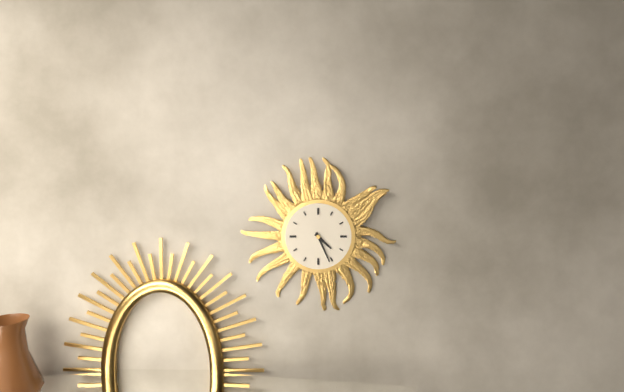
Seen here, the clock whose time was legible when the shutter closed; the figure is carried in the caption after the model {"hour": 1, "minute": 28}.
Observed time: {"hour": 4, "minute": 26}
